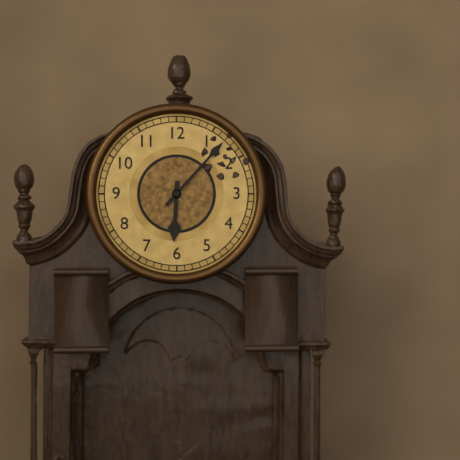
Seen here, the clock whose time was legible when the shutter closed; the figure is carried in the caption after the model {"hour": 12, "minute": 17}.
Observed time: {"hour": 6, "minute": 7}
